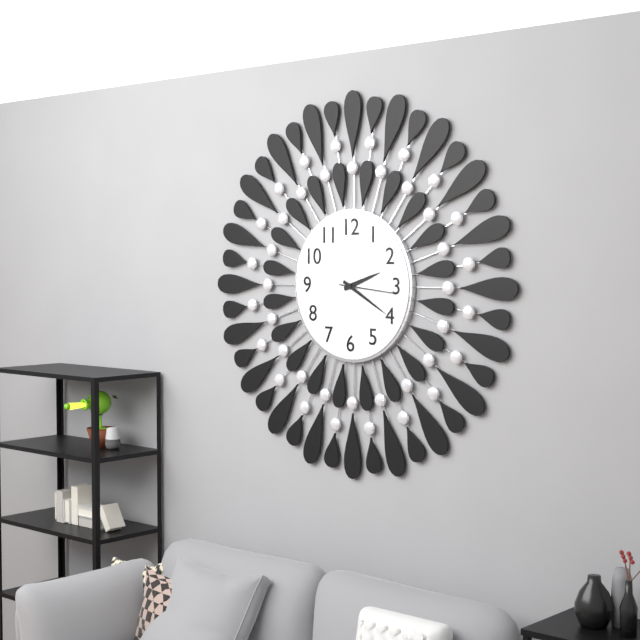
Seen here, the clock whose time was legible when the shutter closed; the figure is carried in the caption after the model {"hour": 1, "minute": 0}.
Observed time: {"hour": 2, "minute": 20}
